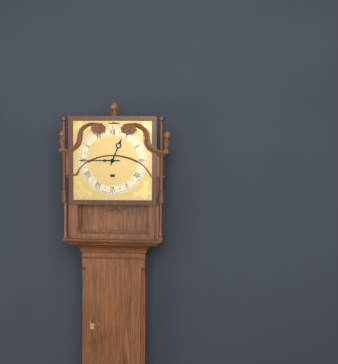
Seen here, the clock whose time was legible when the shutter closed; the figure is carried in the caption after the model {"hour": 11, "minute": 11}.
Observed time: {"hour": 12, "minute": 45}
